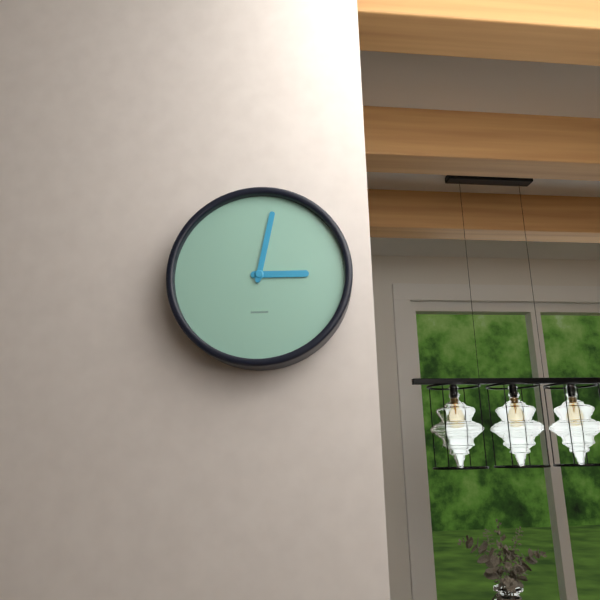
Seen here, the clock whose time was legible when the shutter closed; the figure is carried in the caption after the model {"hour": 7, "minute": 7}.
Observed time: {"hour": 3, "minute": 2}
